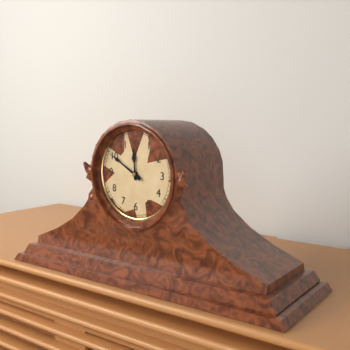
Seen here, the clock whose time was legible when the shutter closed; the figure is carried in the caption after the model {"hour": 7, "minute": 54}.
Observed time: {"hour": 11, "minute": 50}
